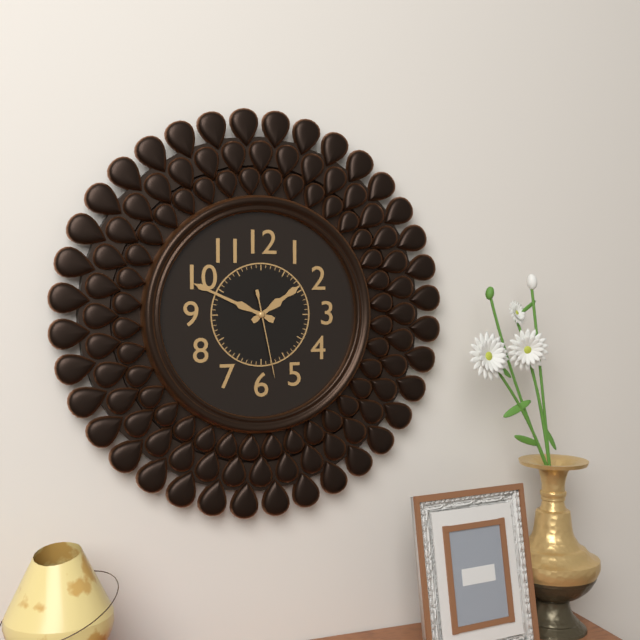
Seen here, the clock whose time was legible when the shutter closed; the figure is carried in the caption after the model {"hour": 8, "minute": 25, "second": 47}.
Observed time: {"hour": 1, "minute": 49, "second": 28}
